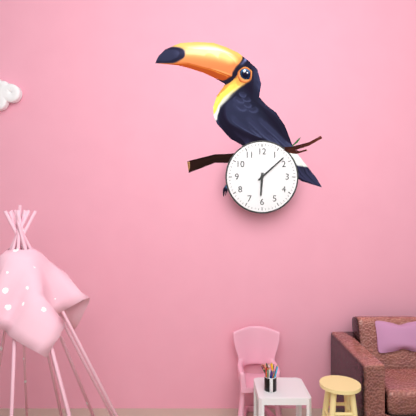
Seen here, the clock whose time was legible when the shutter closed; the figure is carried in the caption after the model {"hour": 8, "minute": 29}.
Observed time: {"hour": 6, "minute": 8}
